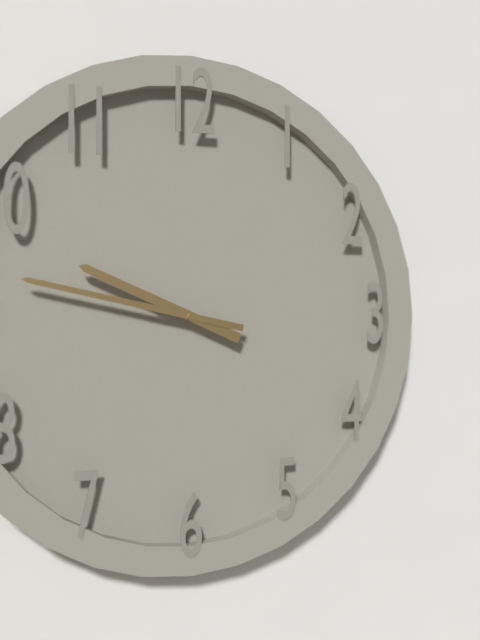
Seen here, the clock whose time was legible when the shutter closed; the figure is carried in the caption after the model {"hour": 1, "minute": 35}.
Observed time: {"hour": 9, "minute": 47}
